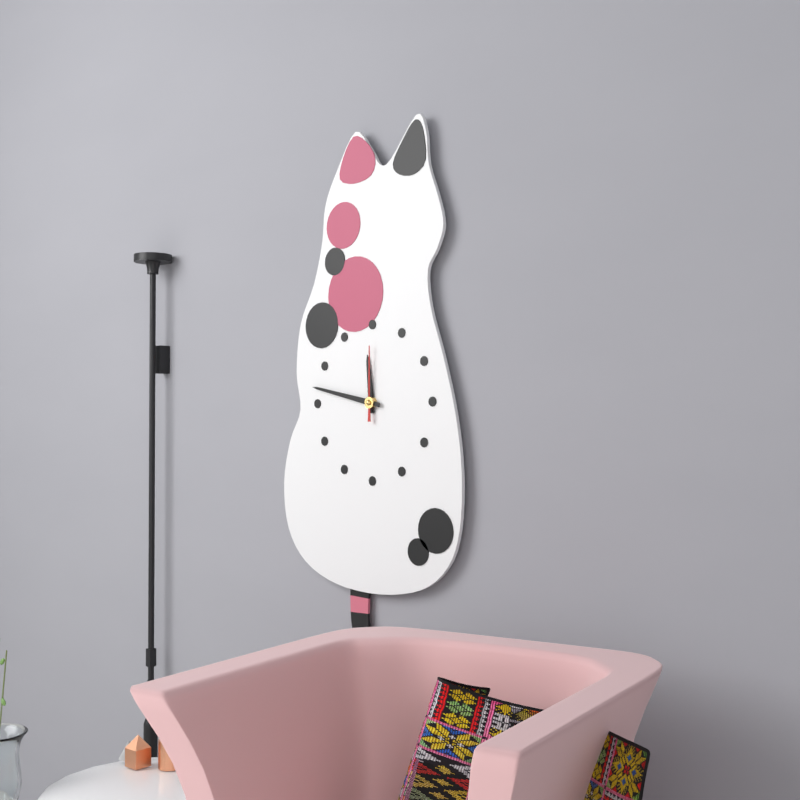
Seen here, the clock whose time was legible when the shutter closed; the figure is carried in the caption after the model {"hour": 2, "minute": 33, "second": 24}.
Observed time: {"hour": 11, "minute": 47, "second": 0}
